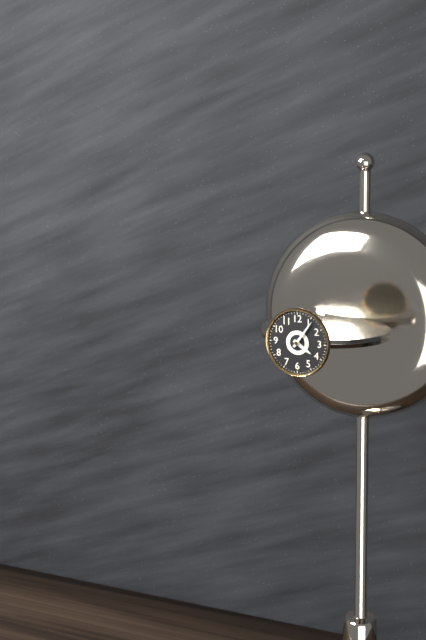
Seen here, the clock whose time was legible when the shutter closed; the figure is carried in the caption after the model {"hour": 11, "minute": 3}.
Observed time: {"hour": 4, "minute": 6}
